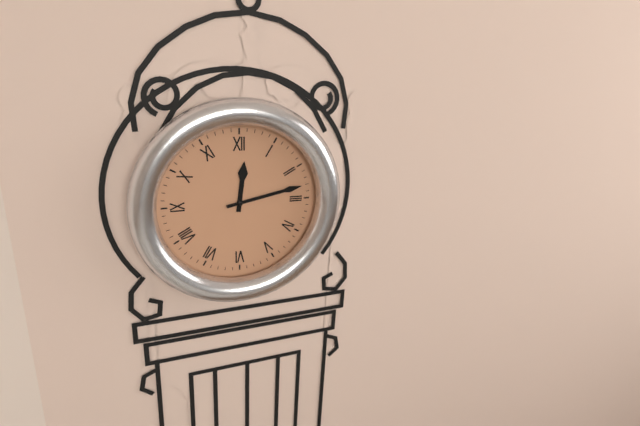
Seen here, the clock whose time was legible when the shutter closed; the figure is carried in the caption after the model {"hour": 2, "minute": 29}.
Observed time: {"hour": 12, "minute": 13}
